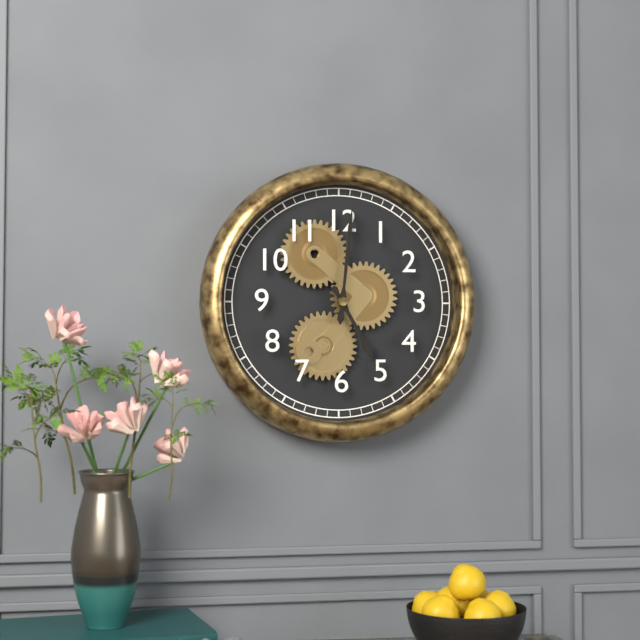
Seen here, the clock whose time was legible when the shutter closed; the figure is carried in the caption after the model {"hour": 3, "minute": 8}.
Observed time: {"hour": 5, "minute": 1}
